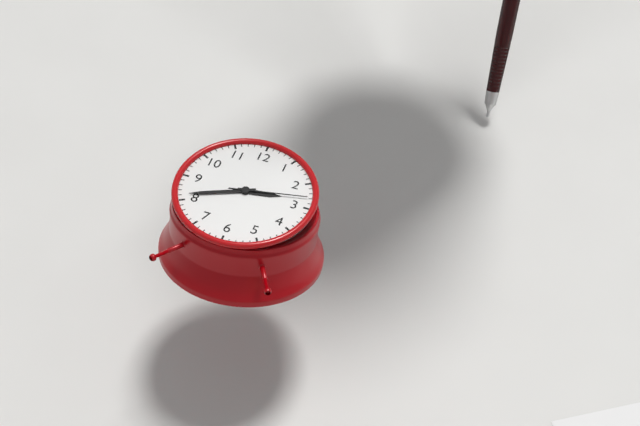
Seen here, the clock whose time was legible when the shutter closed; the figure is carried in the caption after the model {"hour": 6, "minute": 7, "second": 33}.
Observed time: {"hour": 2, "minute": 41, "second": 13}
